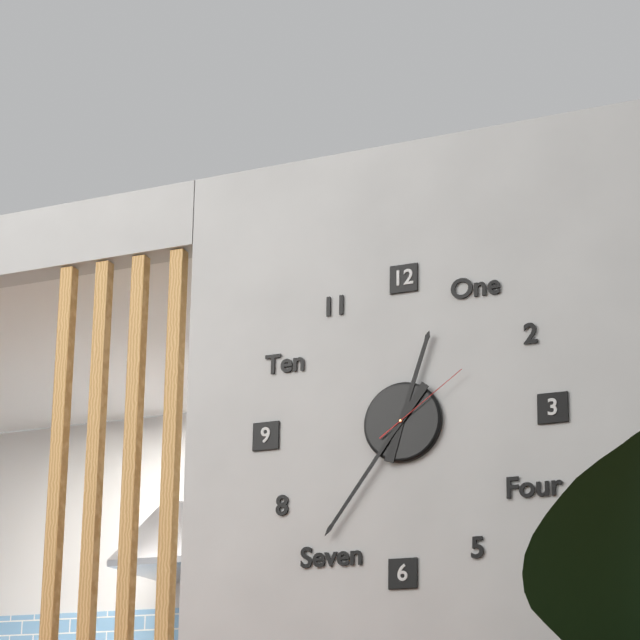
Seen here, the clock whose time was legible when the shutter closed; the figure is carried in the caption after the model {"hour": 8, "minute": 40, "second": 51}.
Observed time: {"hour": 12, "minute": 36, "second": 9}
